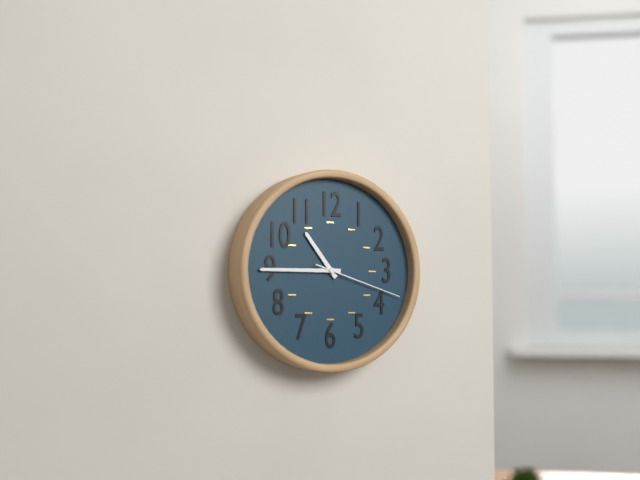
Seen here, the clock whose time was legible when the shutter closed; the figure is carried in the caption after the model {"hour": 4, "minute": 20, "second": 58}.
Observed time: {"hour": 10, "minute": 45, "second": 18}
